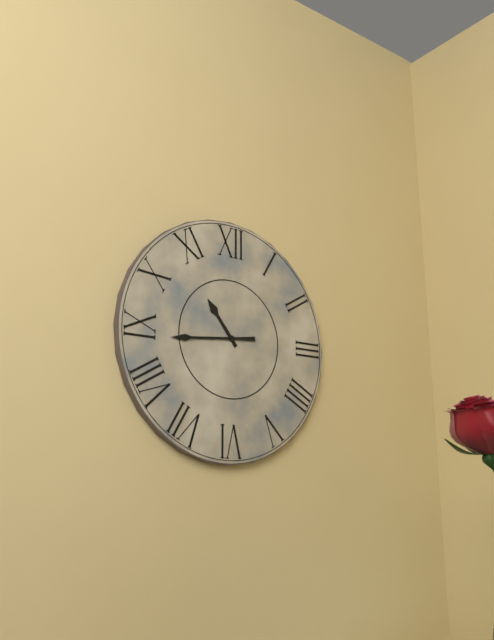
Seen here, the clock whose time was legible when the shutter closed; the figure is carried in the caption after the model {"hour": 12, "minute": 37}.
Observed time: {"hour": 10, "minute": 44}
